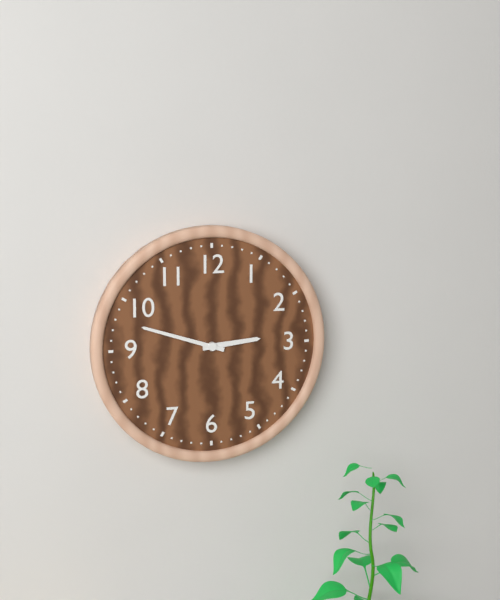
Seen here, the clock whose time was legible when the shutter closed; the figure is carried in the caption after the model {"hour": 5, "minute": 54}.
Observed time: {"hour": 2, "minute": 48}
